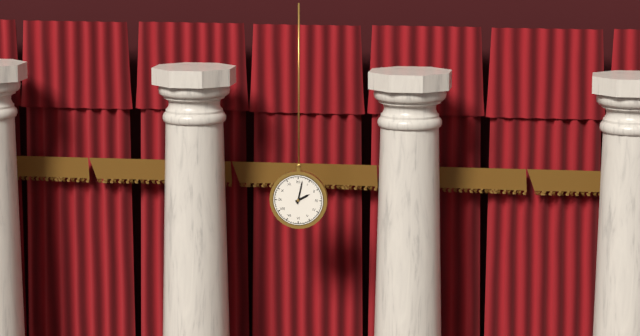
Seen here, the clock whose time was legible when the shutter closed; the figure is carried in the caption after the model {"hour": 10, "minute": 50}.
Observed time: {"hour": 2, "minute": 2}
